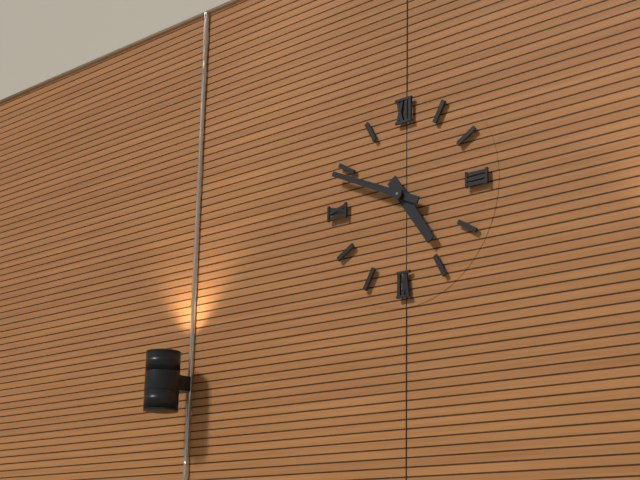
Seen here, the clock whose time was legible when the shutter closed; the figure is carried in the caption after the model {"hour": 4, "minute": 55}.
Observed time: {"hour": 4, "minute": 49}
